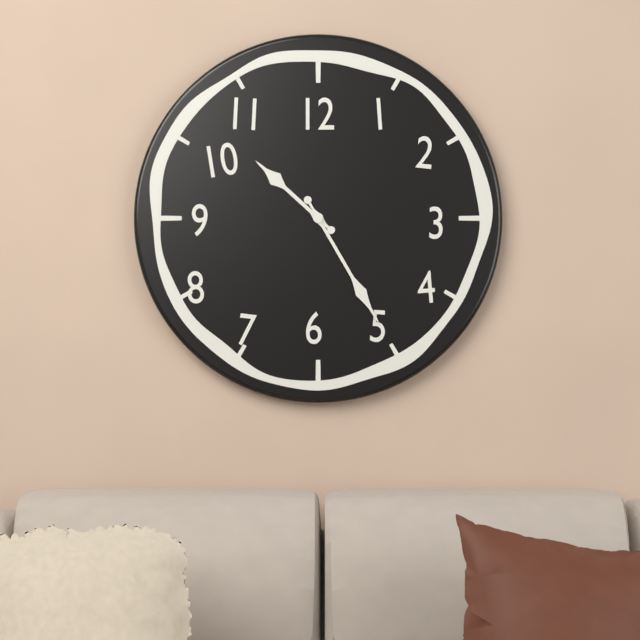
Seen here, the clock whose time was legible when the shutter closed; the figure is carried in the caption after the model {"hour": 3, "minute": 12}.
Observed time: {"hour": 10, "minute": 25}
